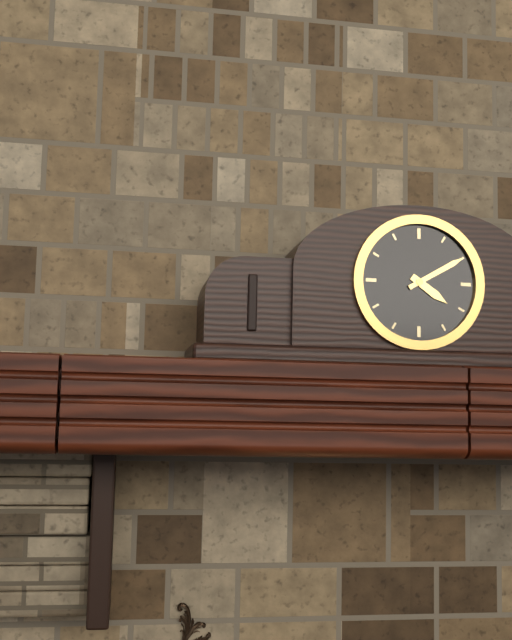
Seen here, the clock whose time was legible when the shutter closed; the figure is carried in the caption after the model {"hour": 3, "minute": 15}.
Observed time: {"hour": 4, "minute": 10}
